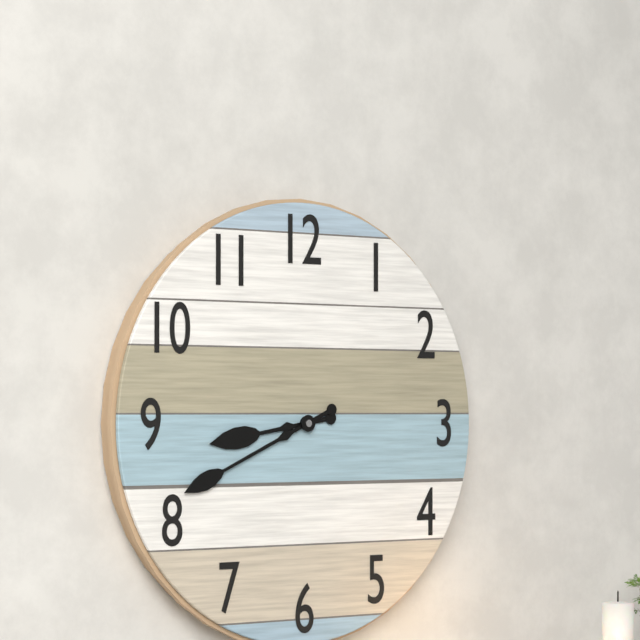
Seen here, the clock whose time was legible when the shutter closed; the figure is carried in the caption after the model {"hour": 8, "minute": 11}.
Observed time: {"hour": 8, "minute": 41}
